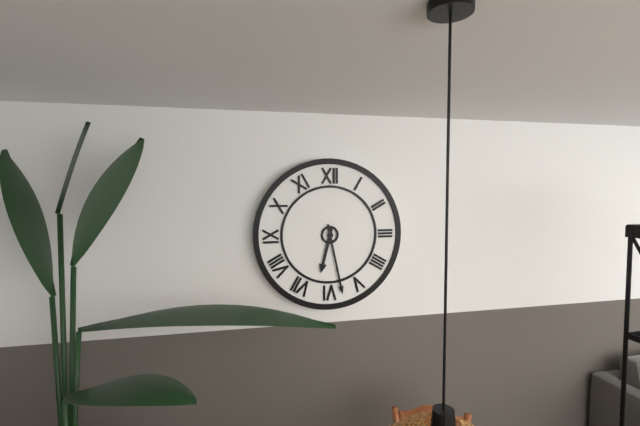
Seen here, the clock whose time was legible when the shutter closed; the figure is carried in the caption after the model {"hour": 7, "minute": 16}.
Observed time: {"hour": 6, "minute": 28}
